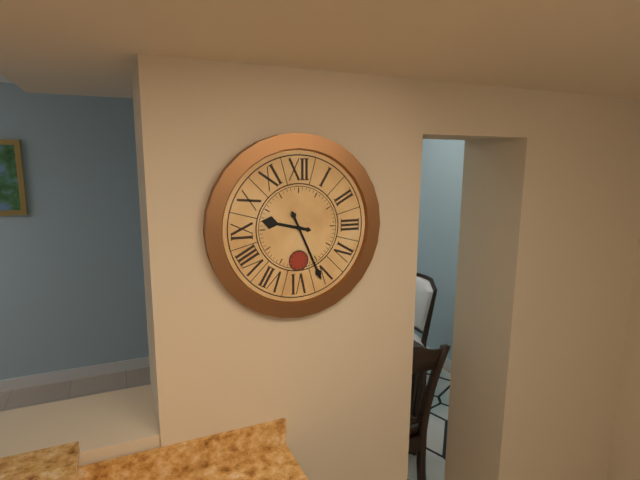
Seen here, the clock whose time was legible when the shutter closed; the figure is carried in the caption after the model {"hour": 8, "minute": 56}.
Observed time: {"hour": 9, "minute": 26}
